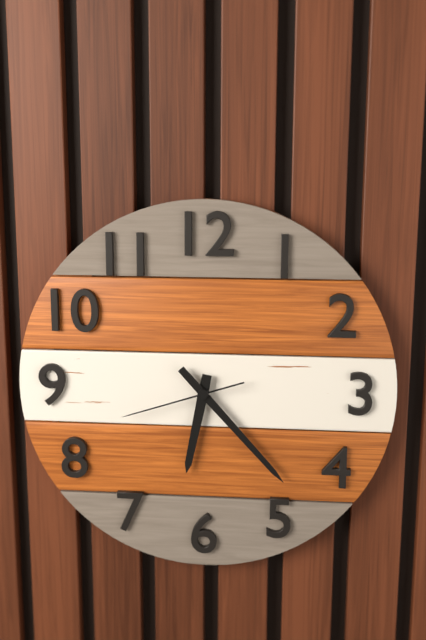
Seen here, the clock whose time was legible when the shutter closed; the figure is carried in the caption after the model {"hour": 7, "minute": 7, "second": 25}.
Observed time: {"hour": 6, "minute": 23, "second": 42}
